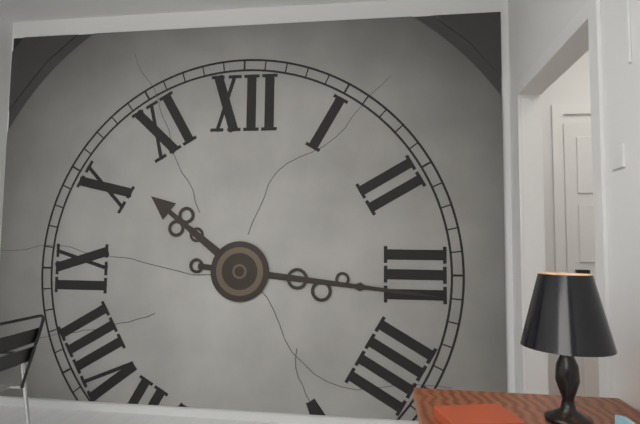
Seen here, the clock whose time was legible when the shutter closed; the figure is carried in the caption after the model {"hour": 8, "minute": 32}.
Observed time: {"hour": 10, "minute": 16}
